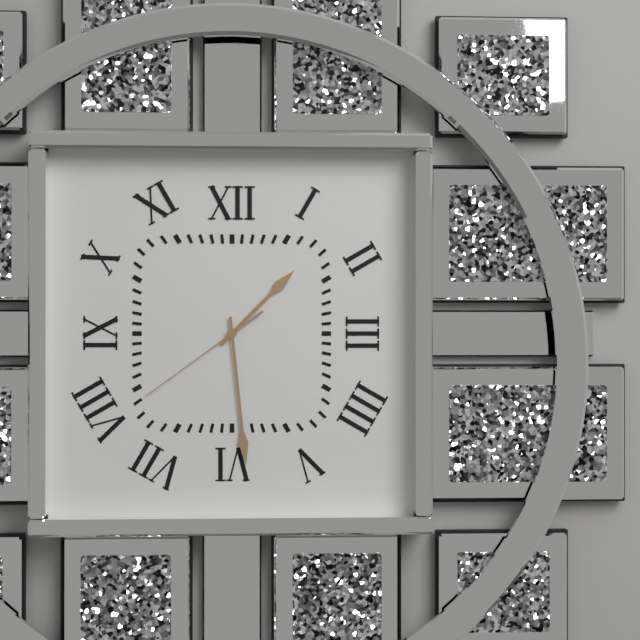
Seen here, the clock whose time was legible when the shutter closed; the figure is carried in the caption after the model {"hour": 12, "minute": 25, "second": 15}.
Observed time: {"hour": 1, "minute": 29, "second": 39}
